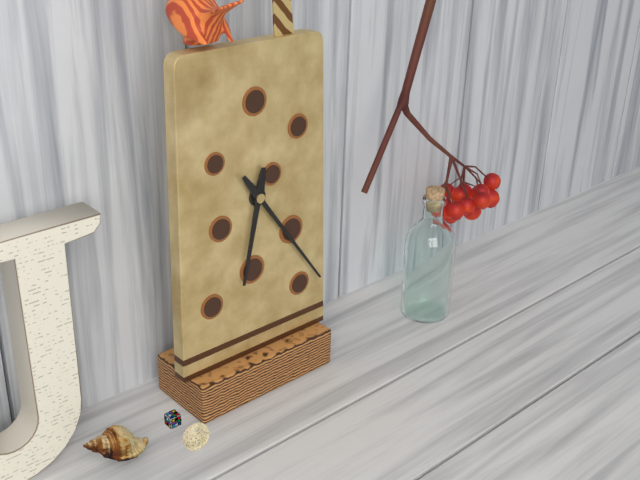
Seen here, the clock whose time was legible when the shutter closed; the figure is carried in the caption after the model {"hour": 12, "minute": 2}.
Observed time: {"hour": 6, "minute": 24}
